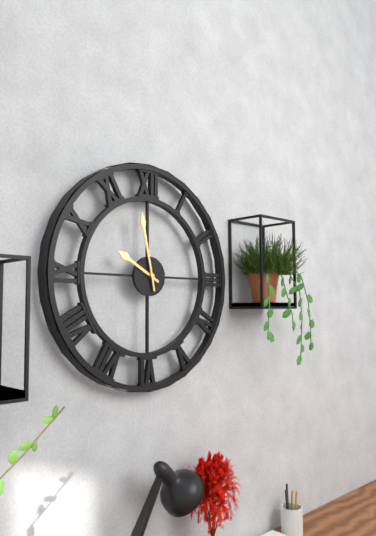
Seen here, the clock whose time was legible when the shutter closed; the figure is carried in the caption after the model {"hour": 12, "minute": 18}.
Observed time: {"hour": 9, "minute": 58}
